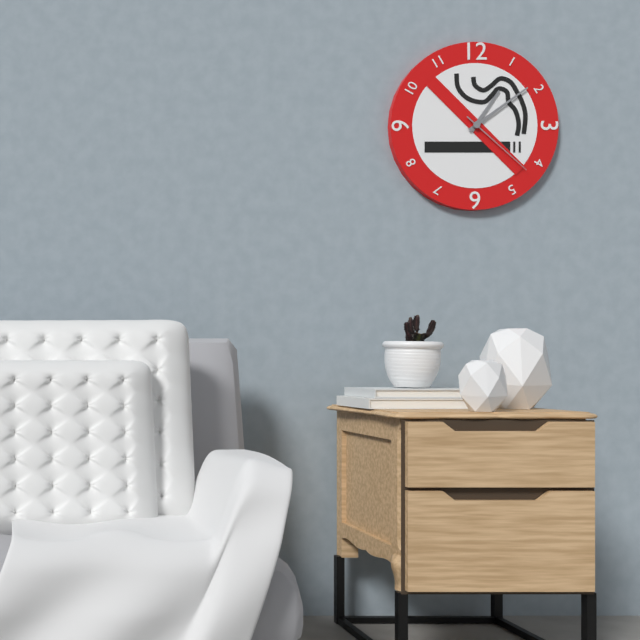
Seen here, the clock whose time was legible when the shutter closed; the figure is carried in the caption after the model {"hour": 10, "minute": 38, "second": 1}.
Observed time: {"hour": 1, "minute": 9, "second": 22}
